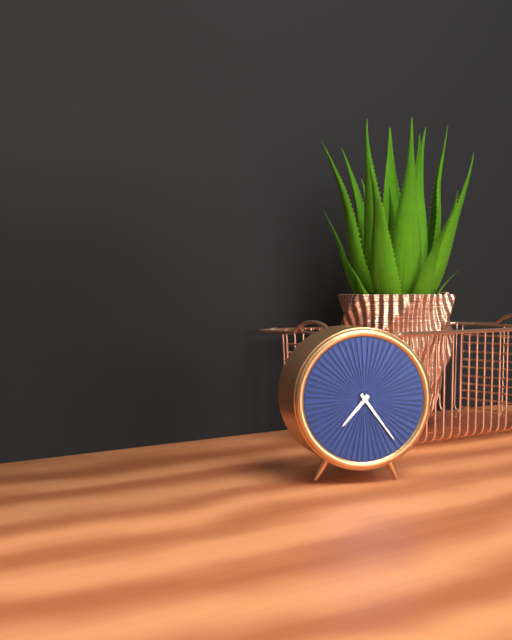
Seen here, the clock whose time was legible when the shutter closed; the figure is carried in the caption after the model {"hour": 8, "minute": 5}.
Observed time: {"hour": 7, "minute": 24}
